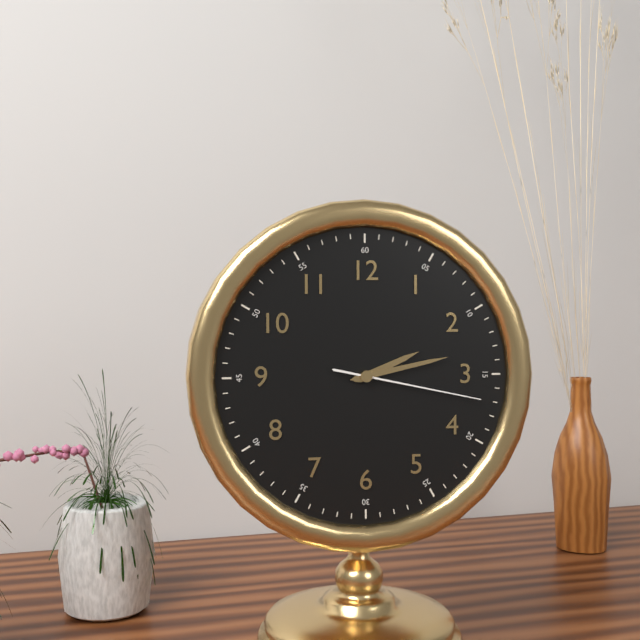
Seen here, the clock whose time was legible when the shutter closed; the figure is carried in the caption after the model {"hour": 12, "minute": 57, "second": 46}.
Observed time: {"hour": 2, "minute": 13, "second": 17}
